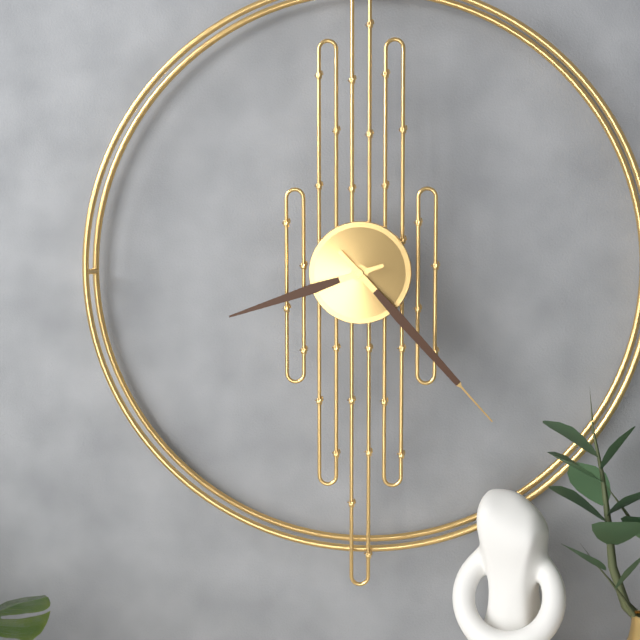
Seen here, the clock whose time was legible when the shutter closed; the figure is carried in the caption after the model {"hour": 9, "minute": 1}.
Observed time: {"hour": 8, "minute": 23}
